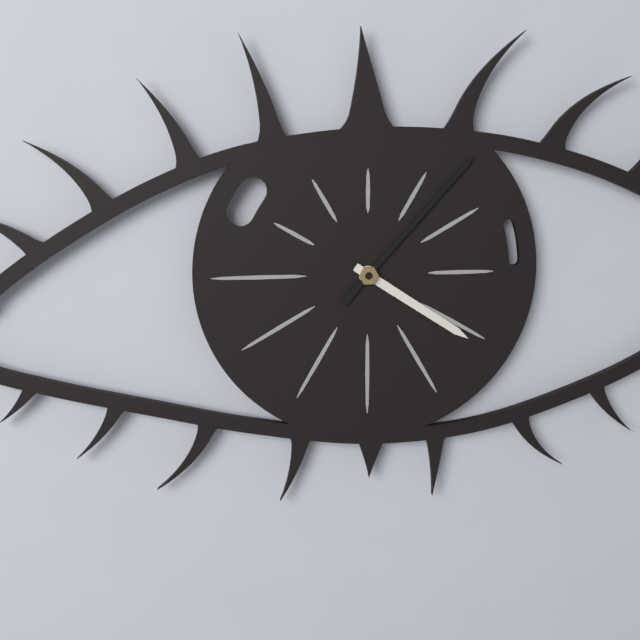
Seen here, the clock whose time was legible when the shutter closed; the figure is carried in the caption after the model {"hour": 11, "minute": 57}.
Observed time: {"hour": 4, "minute": 7}
